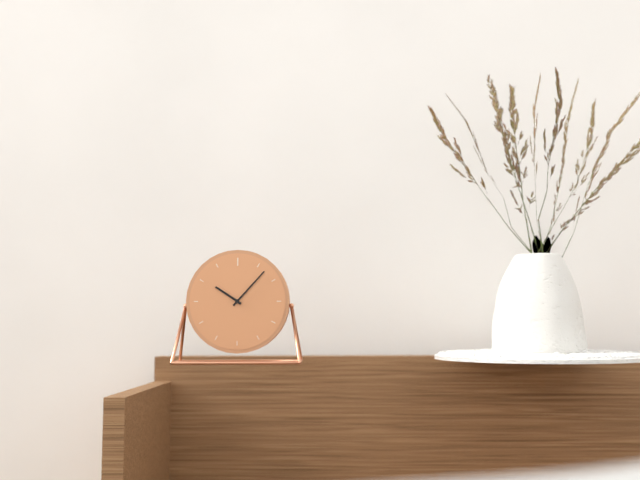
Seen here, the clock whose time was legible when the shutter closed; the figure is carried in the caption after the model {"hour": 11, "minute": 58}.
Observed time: {"hour": 10, "minute": 7}
